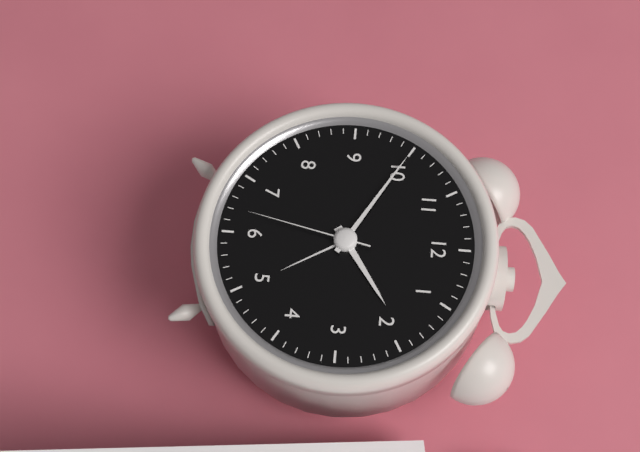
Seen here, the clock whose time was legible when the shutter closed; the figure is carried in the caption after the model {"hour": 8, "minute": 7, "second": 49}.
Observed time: {"hour": 1, "minute": 50, "second": 32}
